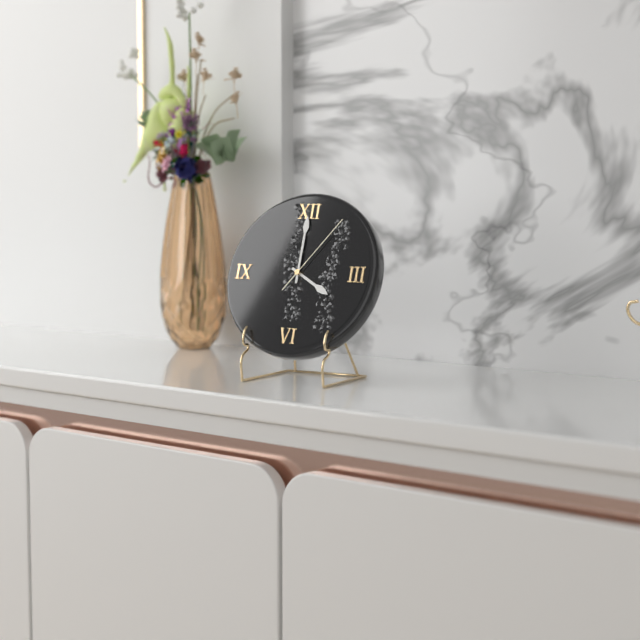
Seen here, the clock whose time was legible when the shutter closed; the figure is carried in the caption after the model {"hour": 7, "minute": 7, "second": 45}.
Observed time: {"hour": 4, "minute": 0, "second": 6}
